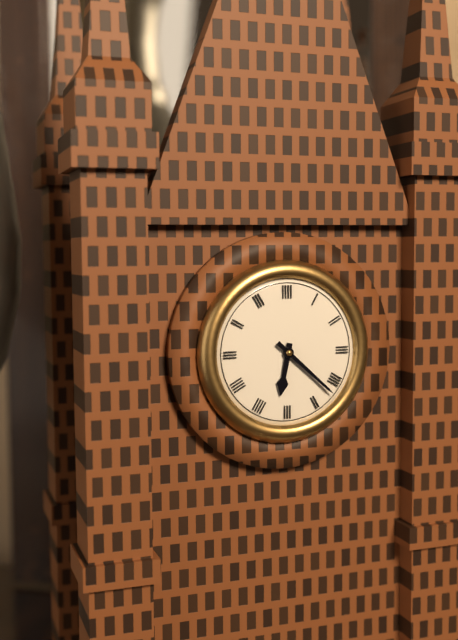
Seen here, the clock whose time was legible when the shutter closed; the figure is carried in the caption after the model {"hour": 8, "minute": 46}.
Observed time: {"hour": 6, "minute": 22}
